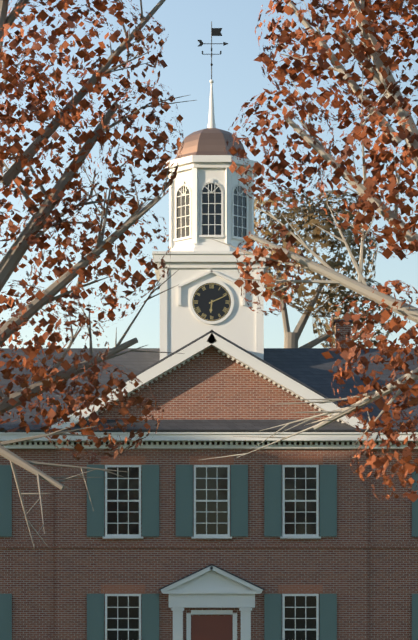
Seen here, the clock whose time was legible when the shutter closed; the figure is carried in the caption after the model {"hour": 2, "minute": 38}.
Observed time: {"hour": 6, "minute": 11}
